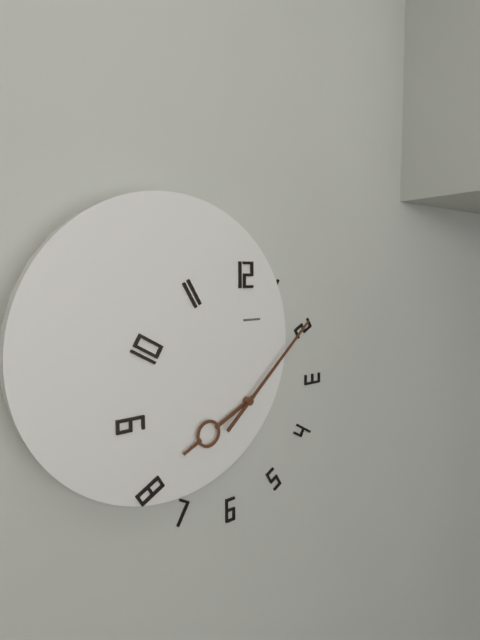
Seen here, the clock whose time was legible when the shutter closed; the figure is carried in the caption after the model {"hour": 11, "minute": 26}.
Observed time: {"hour": 8, "minute": 8}
